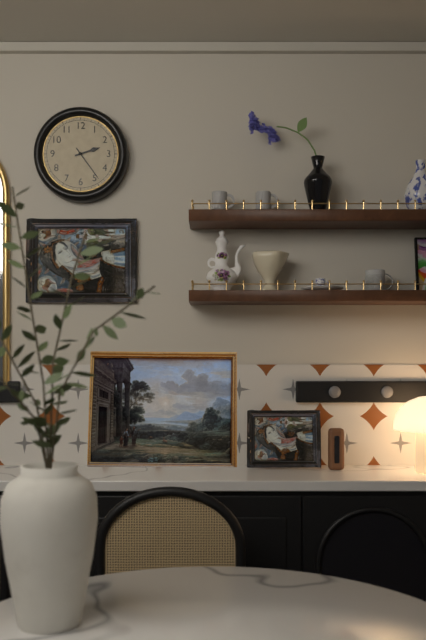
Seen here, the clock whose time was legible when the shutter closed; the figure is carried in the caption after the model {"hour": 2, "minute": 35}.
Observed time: {"hour": 2, "minute": 24}
